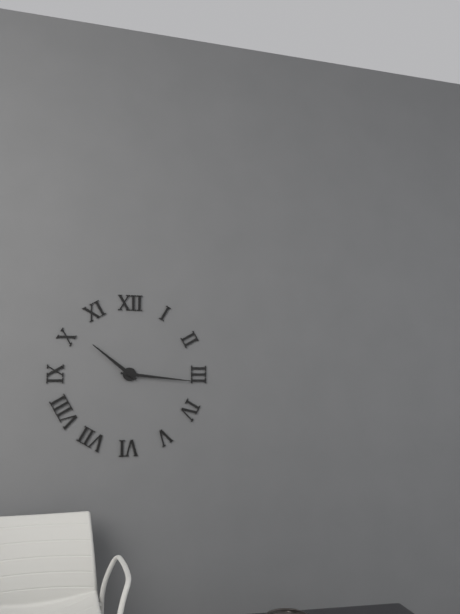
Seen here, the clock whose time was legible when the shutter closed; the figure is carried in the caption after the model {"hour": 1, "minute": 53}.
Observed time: {"hour": 10, "minute": 16}
